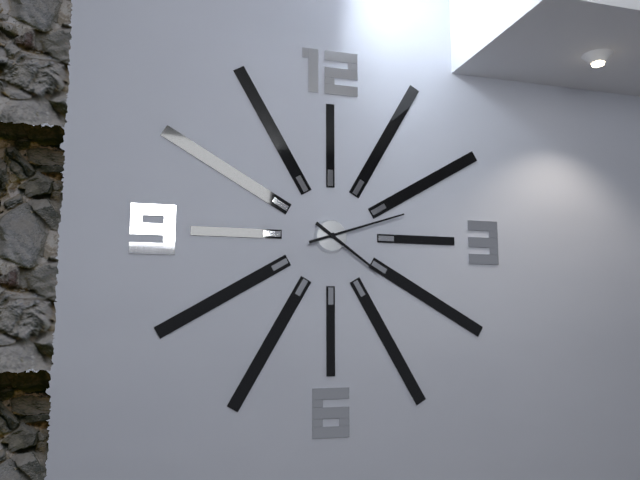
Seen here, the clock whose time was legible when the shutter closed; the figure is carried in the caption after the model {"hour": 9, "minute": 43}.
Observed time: {"hour": 4, "minute": 12}
